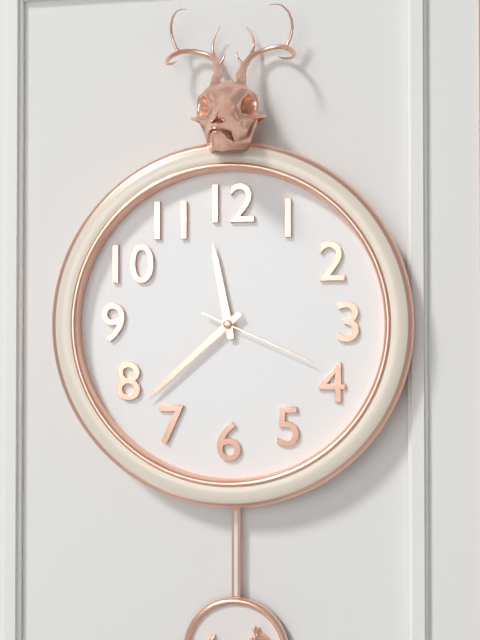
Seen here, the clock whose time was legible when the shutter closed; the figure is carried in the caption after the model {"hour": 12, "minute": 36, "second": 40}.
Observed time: {"hour": 11, "minute": 38, "second": 19}
